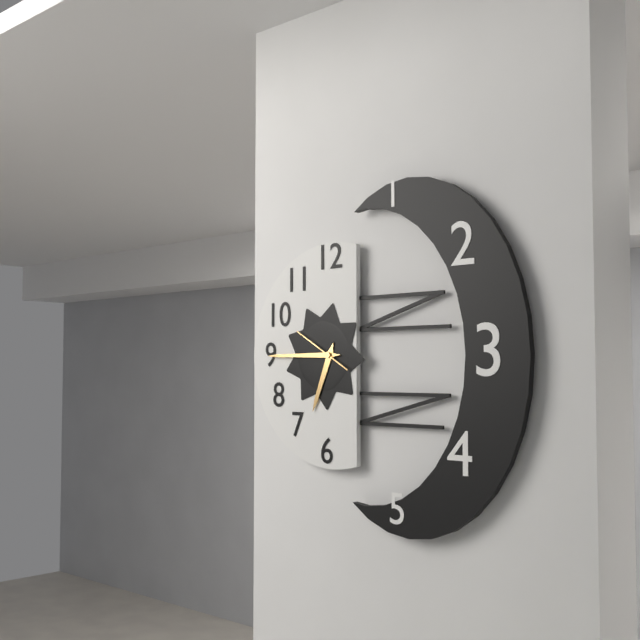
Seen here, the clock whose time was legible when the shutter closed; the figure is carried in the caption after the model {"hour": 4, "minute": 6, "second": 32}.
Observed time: {"hour": 6, "minute": 45, "second": 50}
